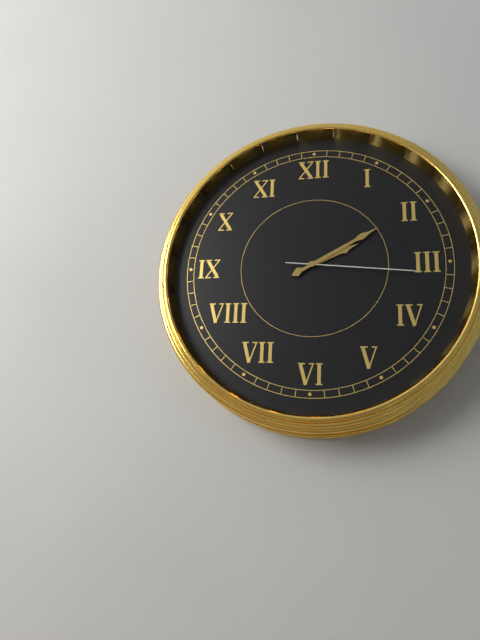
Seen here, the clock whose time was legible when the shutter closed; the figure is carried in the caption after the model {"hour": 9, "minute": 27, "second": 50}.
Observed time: {"hour": 2, "minute": 10, "second": 16}
